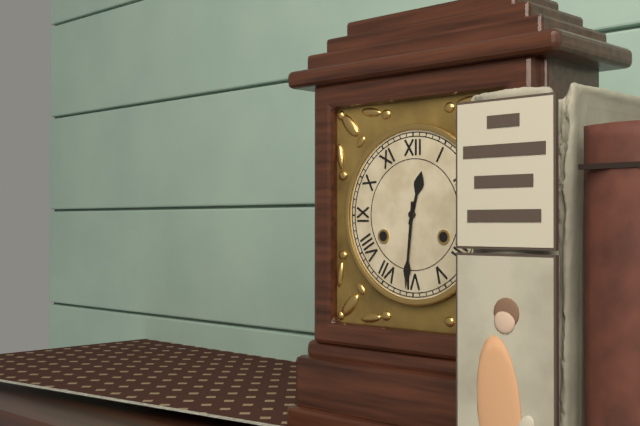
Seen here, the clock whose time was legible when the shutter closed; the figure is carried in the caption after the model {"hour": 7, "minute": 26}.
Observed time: {"hour": 12, "minute": 31}
